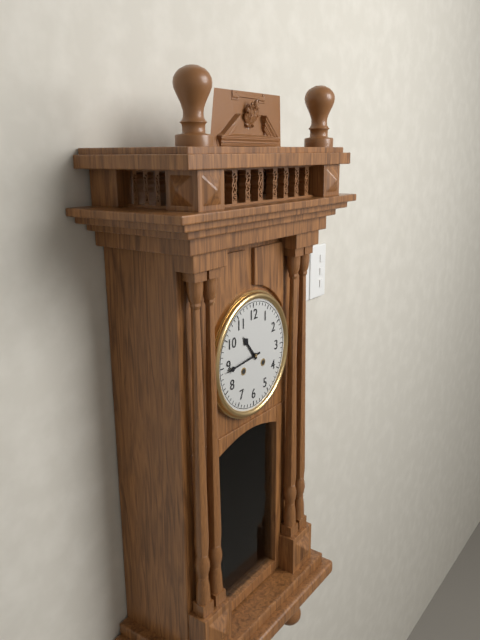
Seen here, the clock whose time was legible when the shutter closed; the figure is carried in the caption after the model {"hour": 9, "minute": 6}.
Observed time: {"hour": 10, "minute": 44}
